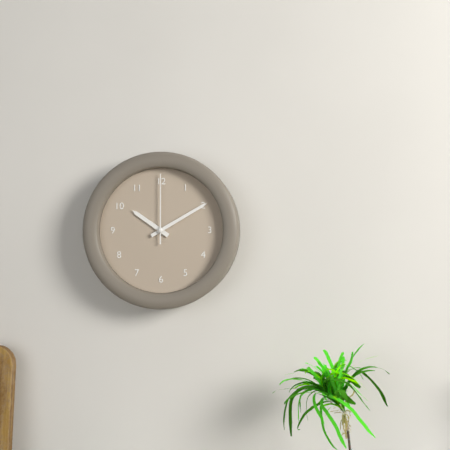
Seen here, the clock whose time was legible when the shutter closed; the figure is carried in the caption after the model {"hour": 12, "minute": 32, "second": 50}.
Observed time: {"hour": 10, "minute": 10, "second": 0}
